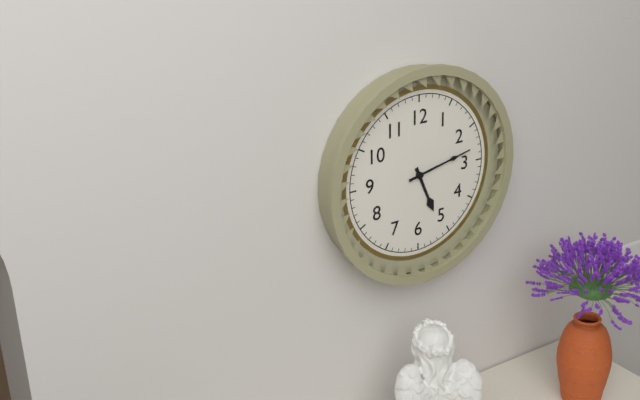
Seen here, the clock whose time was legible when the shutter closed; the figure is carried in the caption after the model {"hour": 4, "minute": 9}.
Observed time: {"hour": 5, "minute": 13}
